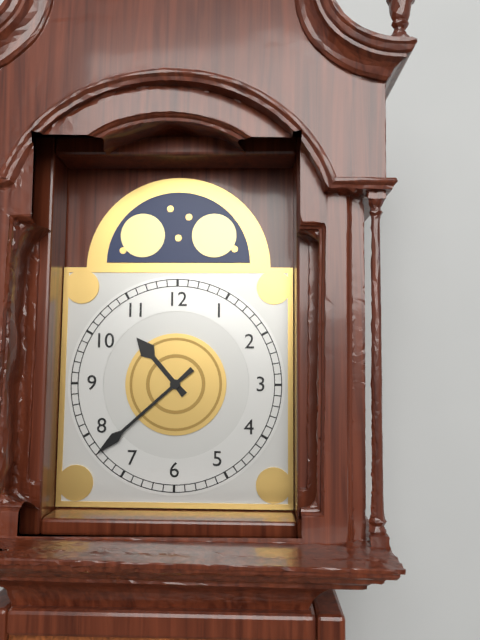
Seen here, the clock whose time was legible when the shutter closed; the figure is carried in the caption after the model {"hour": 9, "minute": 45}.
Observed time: {"hour": 10, "minute": 38}
